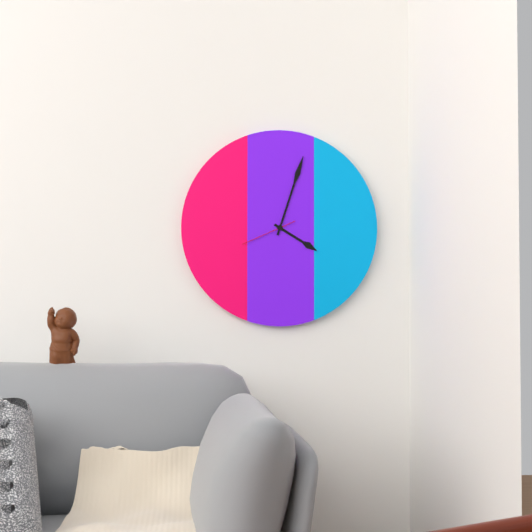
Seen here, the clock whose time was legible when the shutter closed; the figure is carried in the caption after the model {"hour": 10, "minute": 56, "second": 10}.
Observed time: {"hour": 4, "minute": 3, "second": 41}
